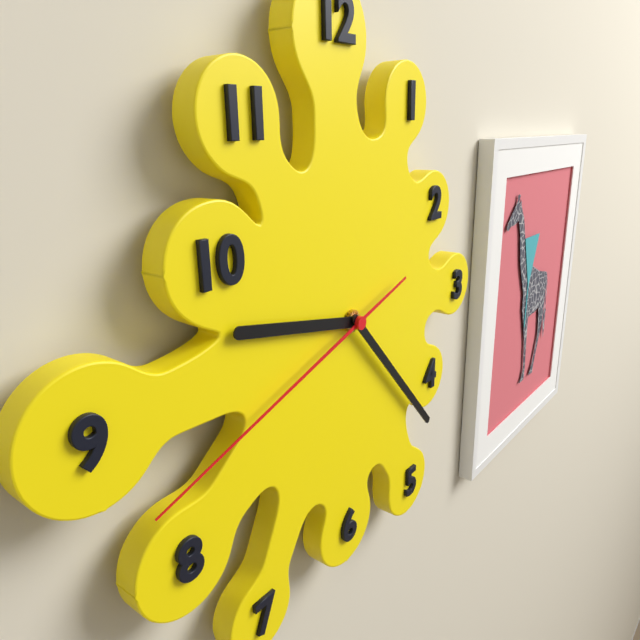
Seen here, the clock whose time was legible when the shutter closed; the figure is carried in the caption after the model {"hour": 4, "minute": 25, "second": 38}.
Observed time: {"hour": 9, "minute": 23, "second": 42}
